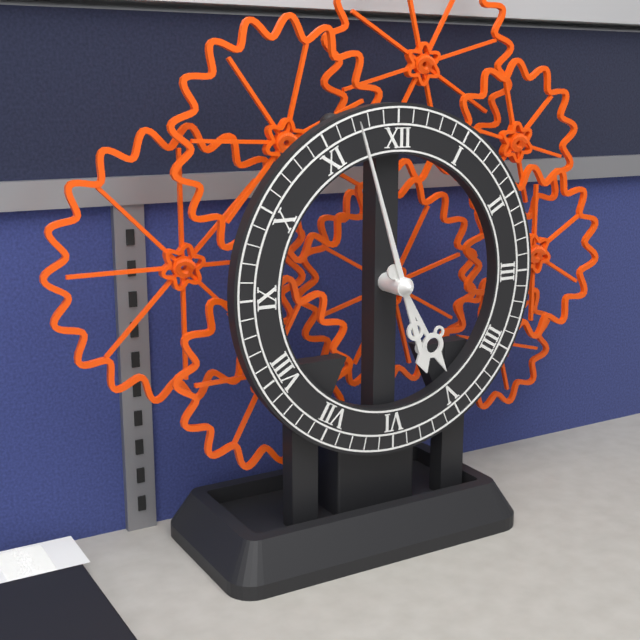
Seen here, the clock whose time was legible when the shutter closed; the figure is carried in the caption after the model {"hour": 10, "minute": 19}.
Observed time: {"hour": 4, "minute": 57}
